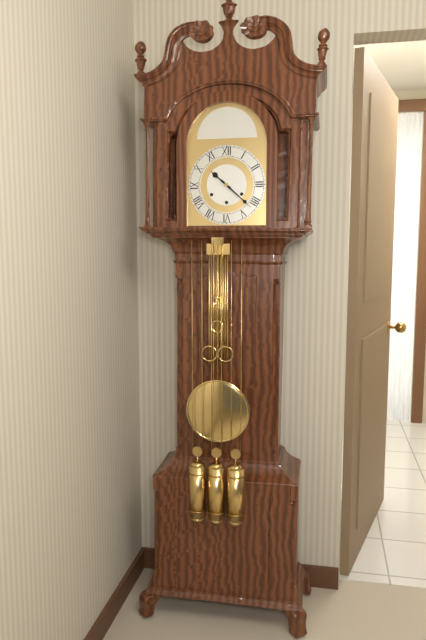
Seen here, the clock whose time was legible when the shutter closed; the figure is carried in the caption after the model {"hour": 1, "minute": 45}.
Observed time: {"hour": 10, "minute": 22}
